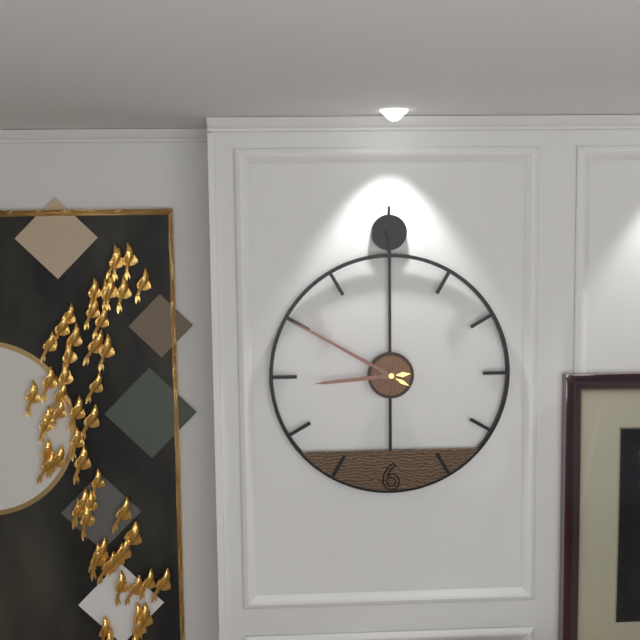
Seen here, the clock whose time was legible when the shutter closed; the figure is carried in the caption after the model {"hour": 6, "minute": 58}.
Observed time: {"hour": 8, "minute": 50}
